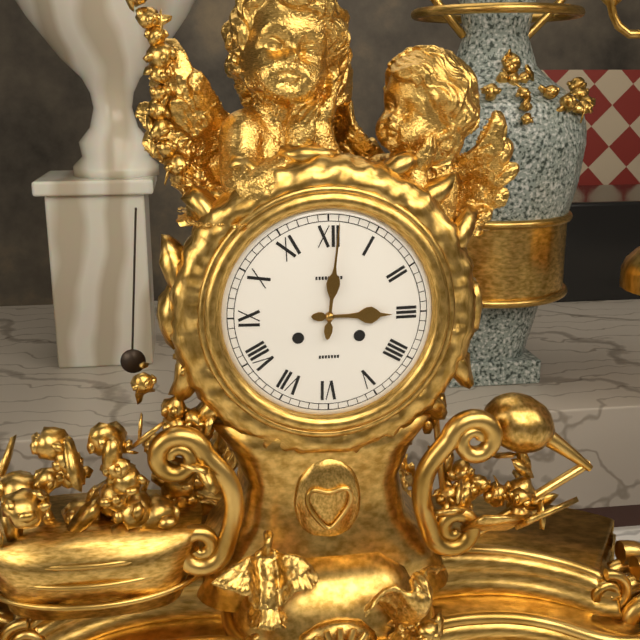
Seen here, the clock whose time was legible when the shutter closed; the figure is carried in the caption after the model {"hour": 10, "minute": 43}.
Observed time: {"hour": 3, "minute": 1}
